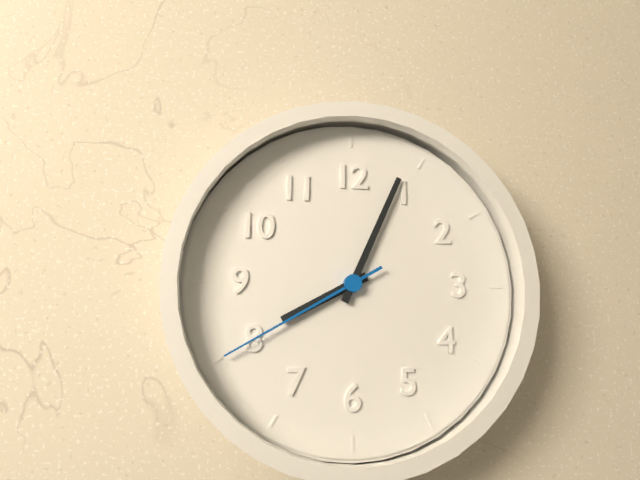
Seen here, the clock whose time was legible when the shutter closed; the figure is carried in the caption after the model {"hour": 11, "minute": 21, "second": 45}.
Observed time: {"hour": 8, "minute": 4, "second": 40}
